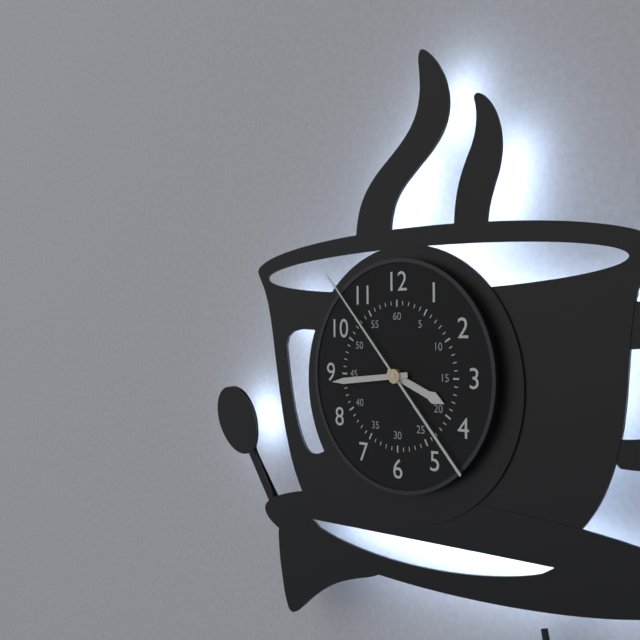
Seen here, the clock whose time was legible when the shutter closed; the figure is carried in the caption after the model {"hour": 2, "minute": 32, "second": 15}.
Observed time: {"hour": 3, "minute": 44, "second": 53}
